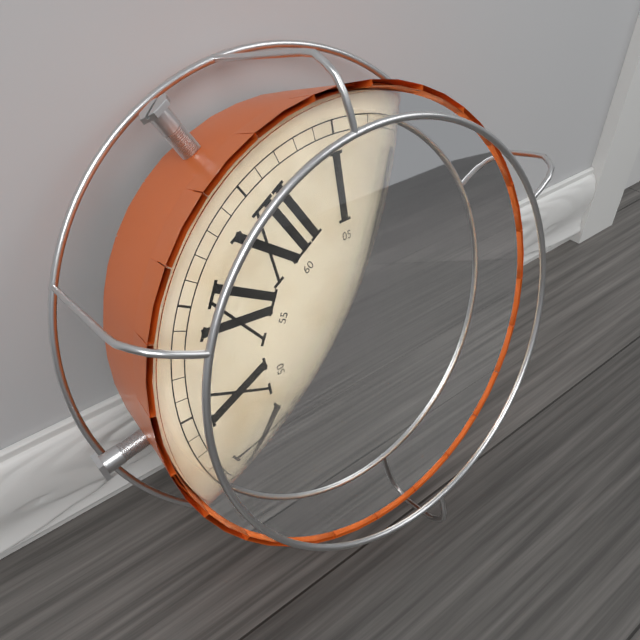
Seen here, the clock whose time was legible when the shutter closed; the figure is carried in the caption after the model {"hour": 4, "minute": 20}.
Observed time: {"hour": 2, "minute": 9}
